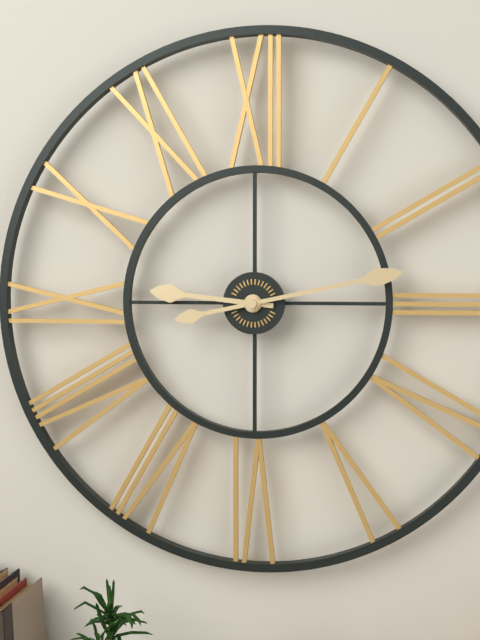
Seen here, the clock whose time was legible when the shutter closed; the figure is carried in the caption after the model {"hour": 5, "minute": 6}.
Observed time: {"hour": 9, "minute": 13}
